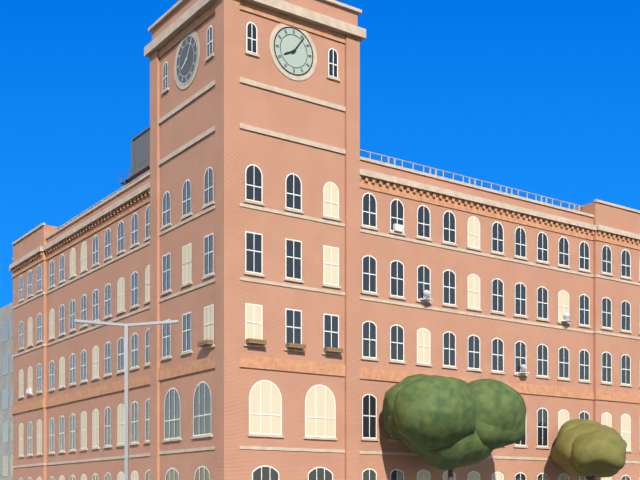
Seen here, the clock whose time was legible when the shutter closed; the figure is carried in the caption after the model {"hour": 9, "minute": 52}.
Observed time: {"hour": 8, "minute": 6}
